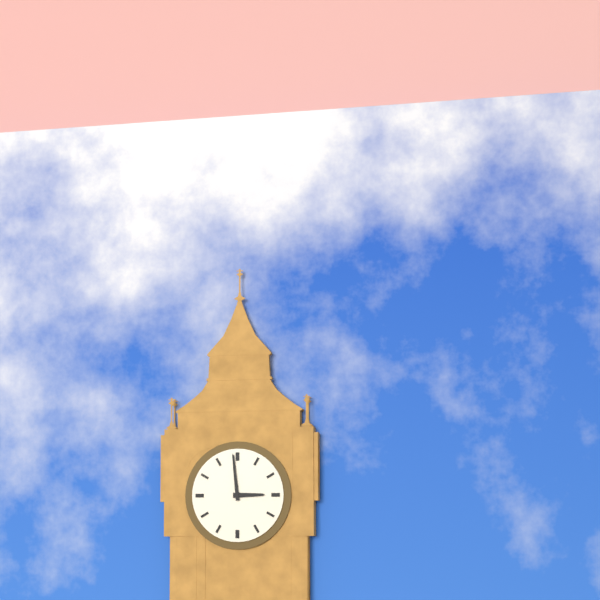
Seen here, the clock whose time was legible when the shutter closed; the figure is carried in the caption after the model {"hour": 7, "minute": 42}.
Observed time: {"hour": 2, "minute": 59}
